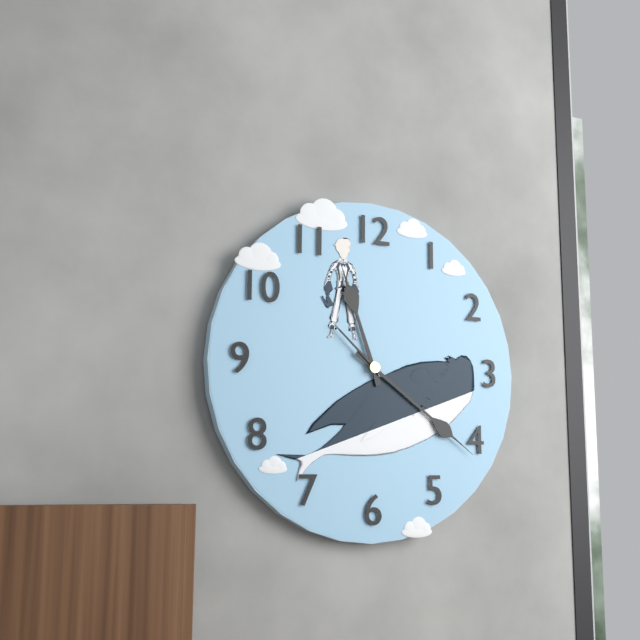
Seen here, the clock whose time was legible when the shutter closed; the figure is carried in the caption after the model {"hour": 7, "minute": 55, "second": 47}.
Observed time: {"hour": 11, "minute": 21, "second": 52}
